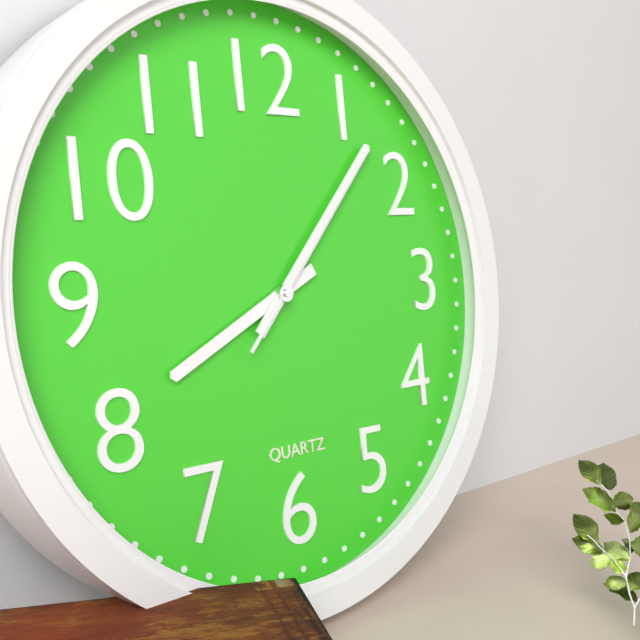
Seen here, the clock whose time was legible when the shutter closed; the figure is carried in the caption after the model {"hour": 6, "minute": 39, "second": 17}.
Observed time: {"hour": 8, "minute": 7, "second": 7}
